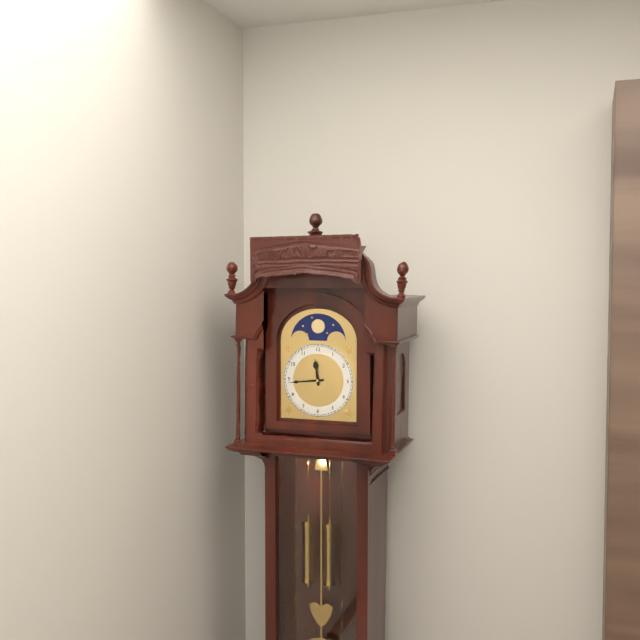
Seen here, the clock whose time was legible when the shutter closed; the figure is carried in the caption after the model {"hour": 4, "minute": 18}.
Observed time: {"hour": 11, "minute": 44}
